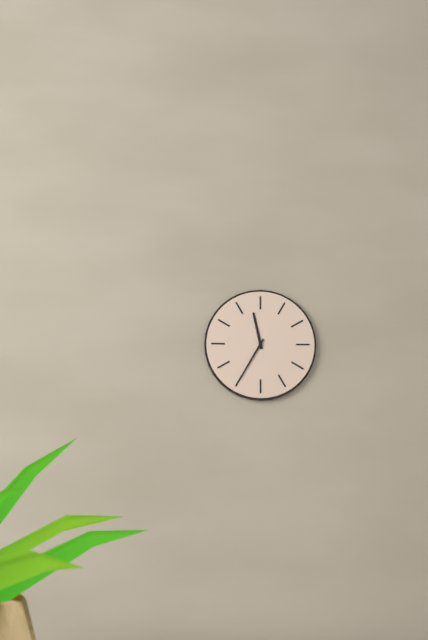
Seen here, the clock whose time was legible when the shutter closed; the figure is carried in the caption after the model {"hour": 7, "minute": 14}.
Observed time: {"hour": 11, "minute": 35}
